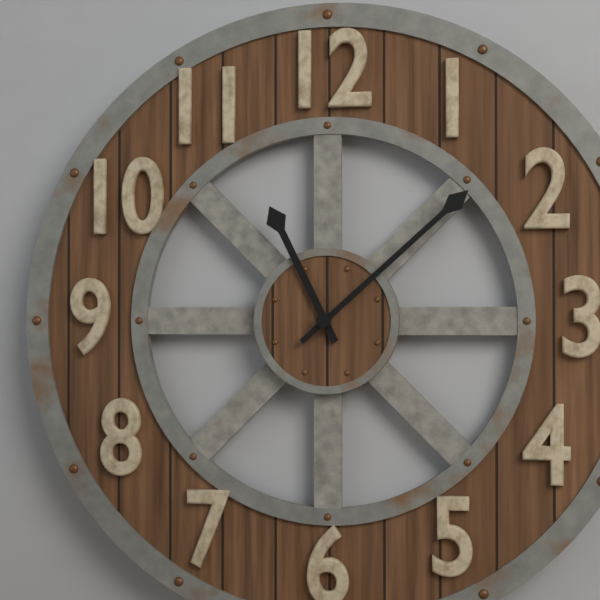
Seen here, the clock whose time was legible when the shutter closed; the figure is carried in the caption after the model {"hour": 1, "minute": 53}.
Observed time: {"hour": 11, "minute": 8}
